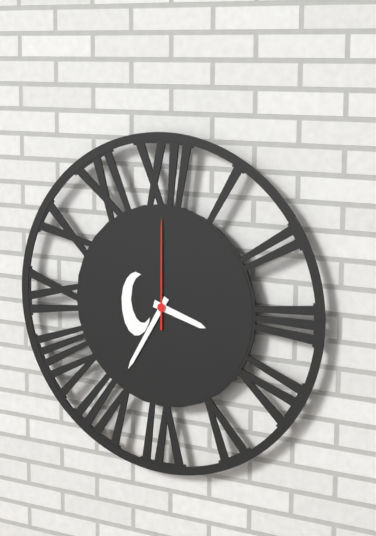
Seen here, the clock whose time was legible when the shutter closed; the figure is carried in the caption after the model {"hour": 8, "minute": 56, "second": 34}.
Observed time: {"hour": 3, "minute": 35, "second": 0}
